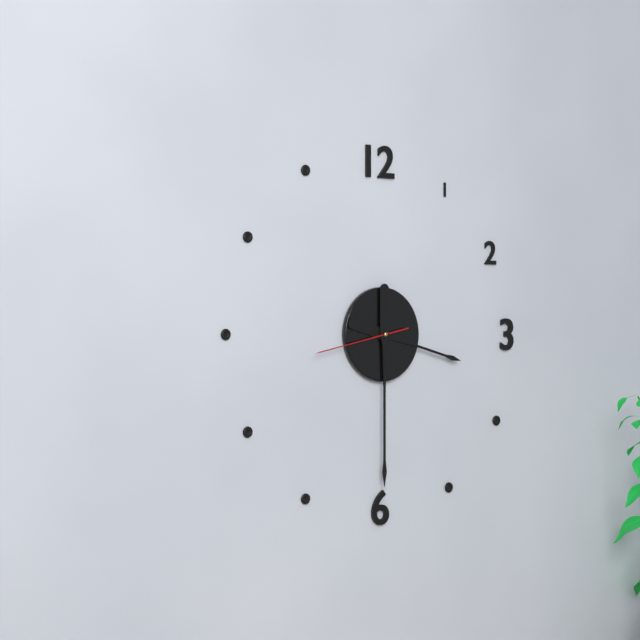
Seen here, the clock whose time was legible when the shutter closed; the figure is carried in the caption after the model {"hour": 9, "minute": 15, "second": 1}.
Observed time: {"hour": 3, "minute": 30, "second": 43}
